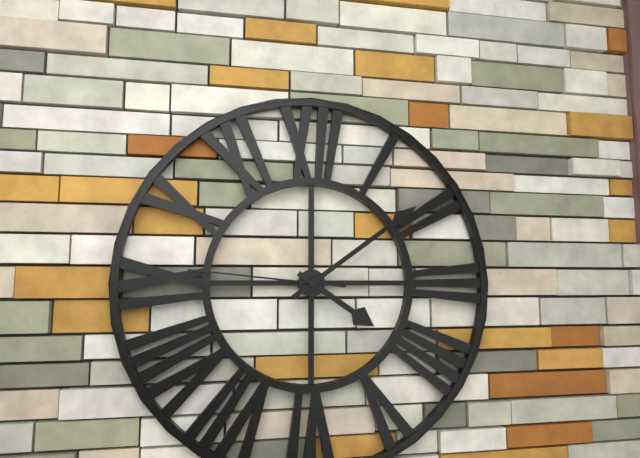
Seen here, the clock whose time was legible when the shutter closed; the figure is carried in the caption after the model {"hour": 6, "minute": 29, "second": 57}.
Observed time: {"hour": 4, "minute": 9, "second": 46}
